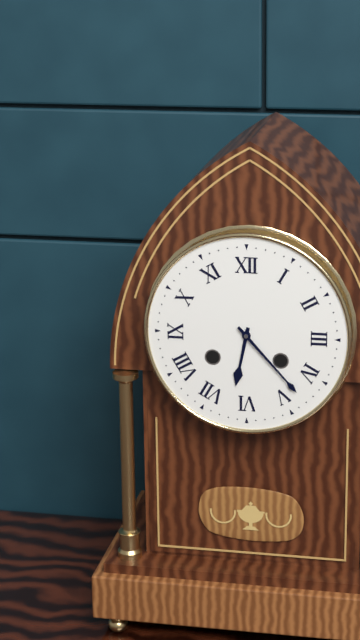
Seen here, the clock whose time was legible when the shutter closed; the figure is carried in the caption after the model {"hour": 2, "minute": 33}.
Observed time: {"hour": 6, "minute": 23}
